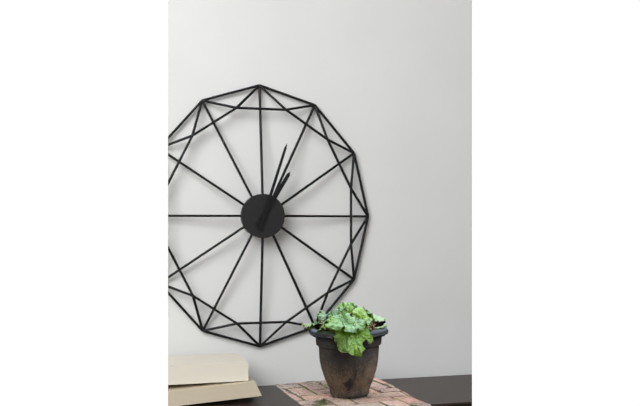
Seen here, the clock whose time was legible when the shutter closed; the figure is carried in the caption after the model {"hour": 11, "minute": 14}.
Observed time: {"hour": 1, "minute": 3}
